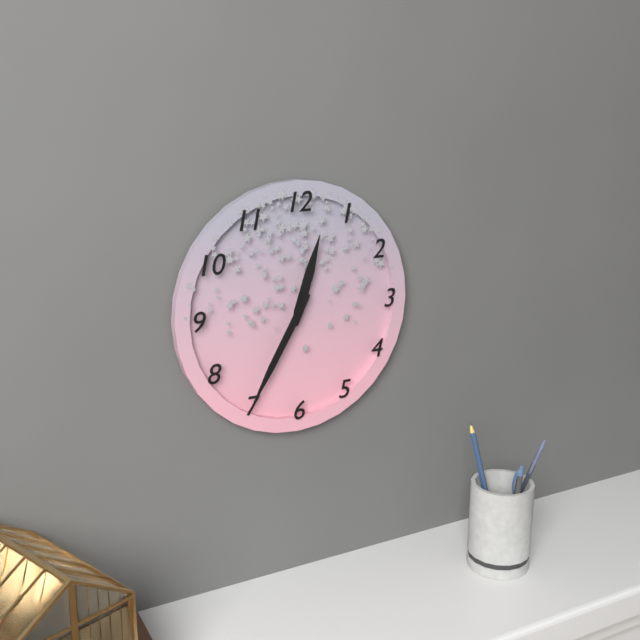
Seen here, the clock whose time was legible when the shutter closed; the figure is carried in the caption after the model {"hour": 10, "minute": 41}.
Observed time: {"hour": 12, "minute": 35}
